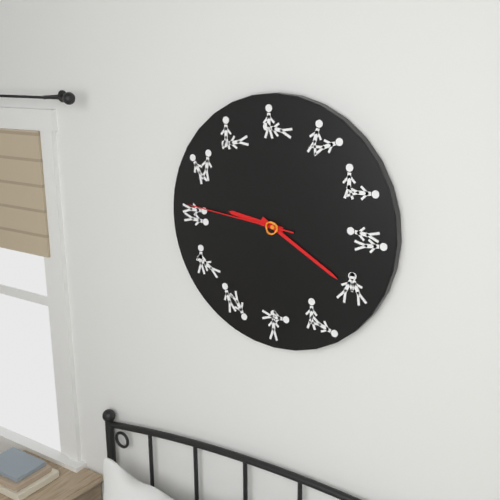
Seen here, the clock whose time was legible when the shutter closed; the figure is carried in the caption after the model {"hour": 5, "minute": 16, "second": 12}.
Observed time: {"hour": 9, "minute": 20, "second": 46}
